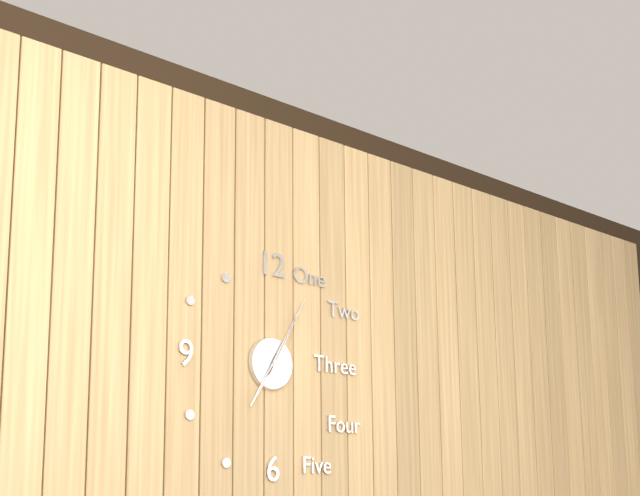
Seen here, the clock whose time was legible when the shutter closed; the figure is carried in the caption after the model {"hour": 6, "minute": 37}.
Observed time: {"hour": 7, "minute": 5}
